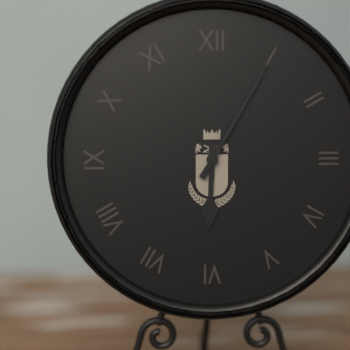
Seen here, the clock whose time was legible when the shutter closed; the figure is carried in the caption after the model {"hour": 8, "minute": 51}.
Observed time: {"hour": 6, "minute": 5}
